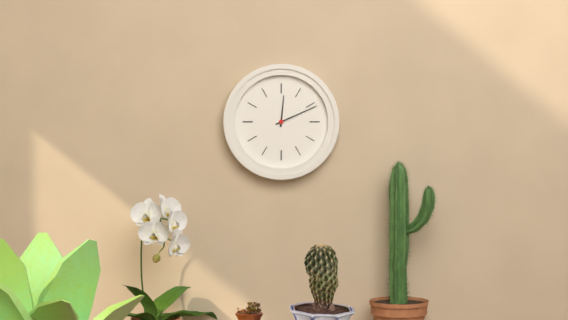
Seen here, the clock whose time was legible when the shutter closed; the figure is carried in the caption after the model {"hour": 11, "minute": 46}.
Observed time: {"hour": 12, "minute": 11}
